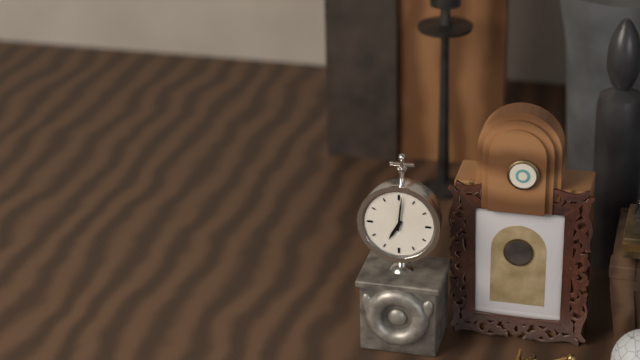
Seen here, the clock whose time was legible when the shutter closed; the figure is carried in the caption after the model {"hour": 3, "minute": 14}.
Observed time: {"hour": 7, "minute": 1}
